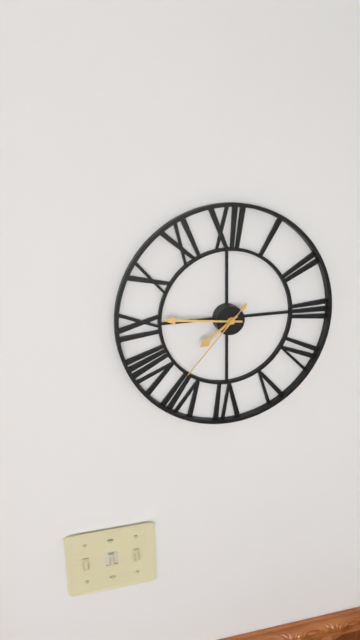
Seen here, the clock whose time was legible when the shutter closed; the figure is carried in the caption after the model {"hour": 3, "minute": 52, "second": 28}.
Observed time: {"hour": 7, "minute": 46, "second": 37}
